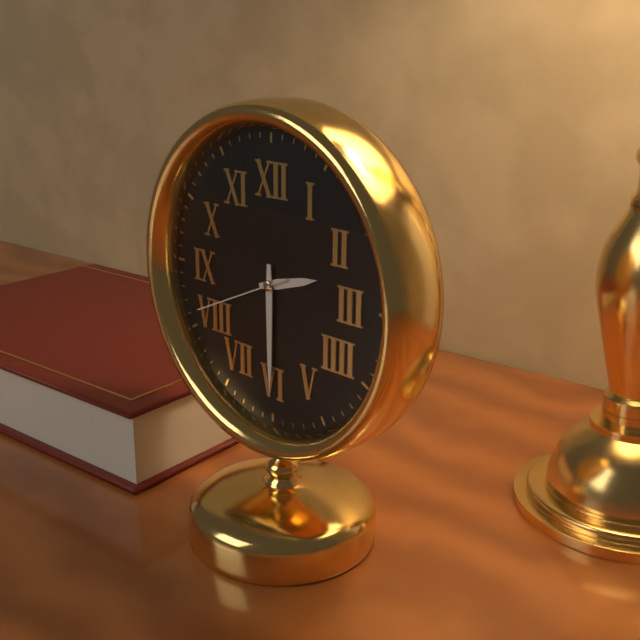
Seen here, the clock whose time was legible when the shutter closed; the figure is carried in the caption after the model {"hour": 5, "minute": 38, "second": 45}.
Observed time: {"hour": 2, "minute": 30, "second": 41}
